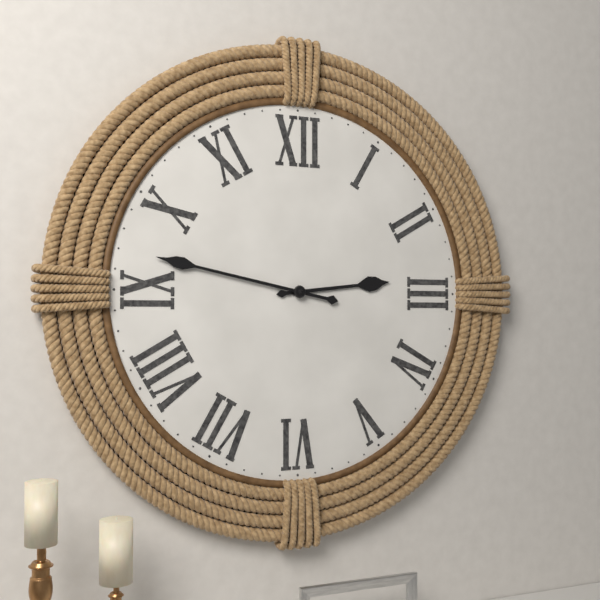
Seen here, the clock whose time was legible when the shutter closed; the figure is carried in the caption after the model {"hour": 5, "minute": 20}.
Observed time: {"hour": 2, "minute": 47}
